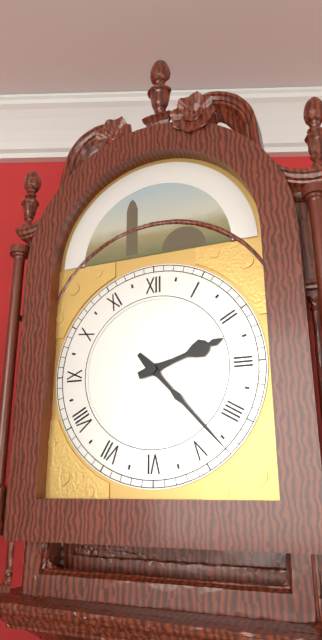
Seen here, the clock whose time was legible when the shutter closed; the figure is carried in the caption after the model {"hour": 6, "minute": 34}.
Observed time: {"hour": 2, "minute": 23}
